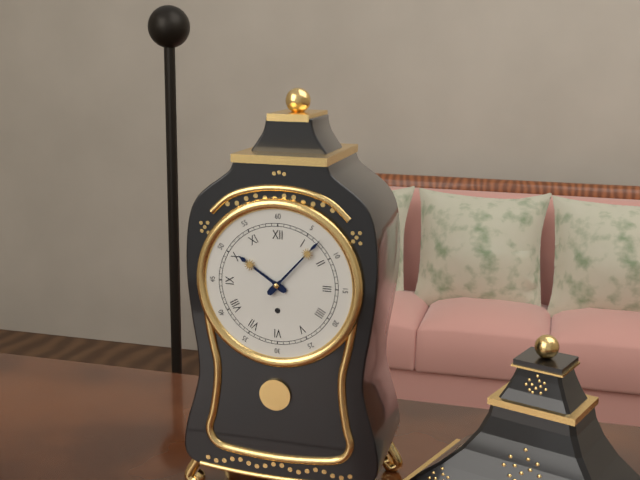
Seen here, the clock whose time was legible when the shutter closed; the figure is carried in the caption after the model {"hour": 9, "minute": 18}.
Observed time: {"hour": 10, "minute": 7}
